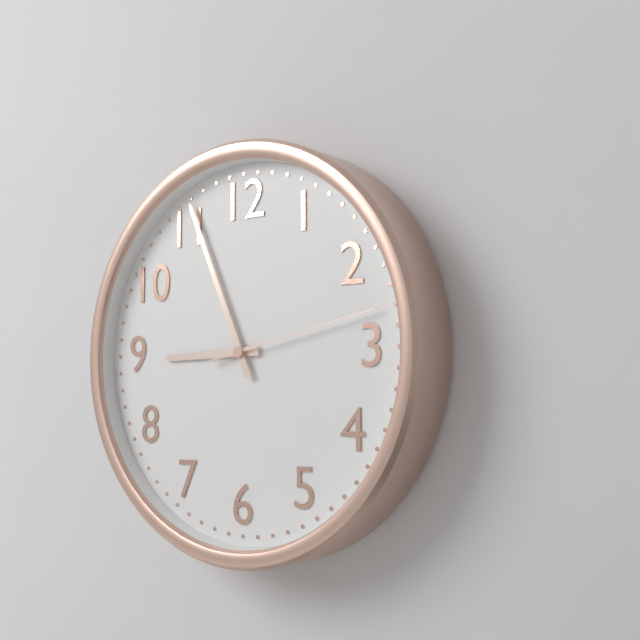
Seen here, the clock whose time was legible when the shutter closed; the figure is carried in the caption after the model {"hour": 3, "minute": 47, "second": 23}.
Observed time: {"hour": 8, "minute": 56, "second": 13}
